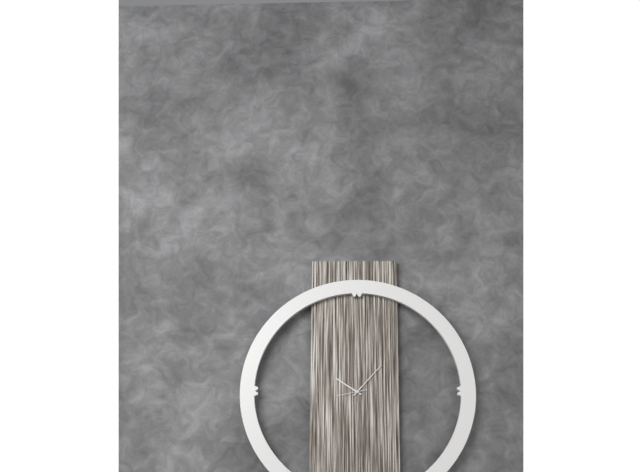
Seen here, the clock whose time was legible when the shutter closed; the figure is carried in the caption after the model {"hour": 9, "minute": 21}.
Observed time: {"hour": 10, "minute": 7}
